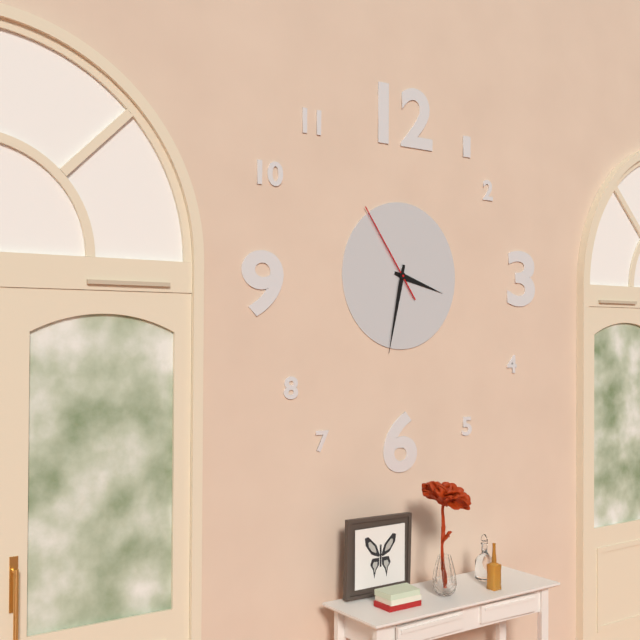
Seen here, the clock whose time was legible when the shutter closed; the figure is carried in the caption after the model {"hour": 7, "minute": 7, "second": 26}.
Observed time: {"hour": 3, "minute": 32, "second": 54}
